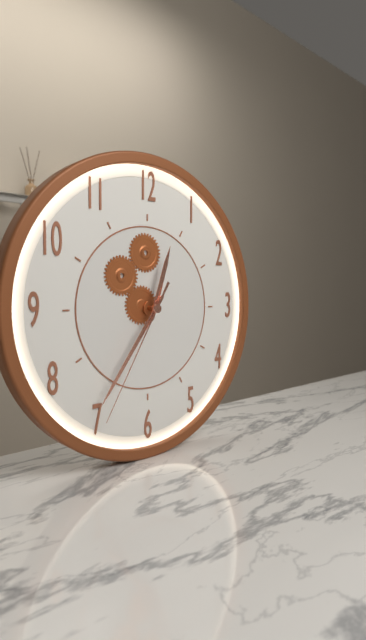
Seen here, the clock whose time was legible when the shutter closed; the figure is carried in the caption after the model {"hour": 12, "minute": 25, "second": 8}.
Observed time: {"hour": 12, "minute": 36, "second": 35}
